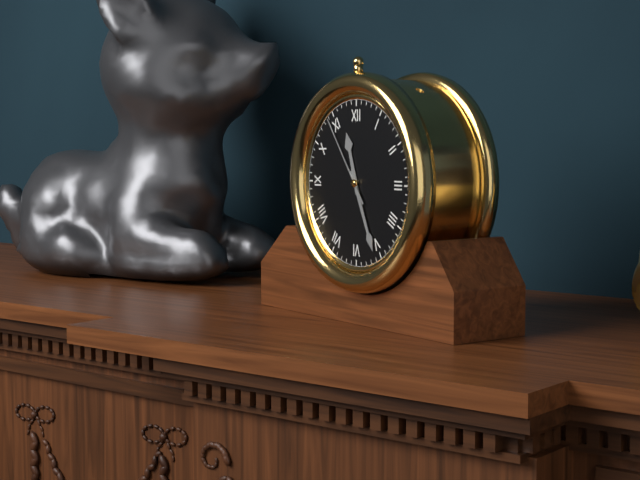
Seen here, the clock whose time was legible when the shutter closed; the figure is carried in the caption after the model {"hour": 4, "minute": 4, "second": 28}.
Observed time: {"hour": 11, "minute": 26, "second": 54}
